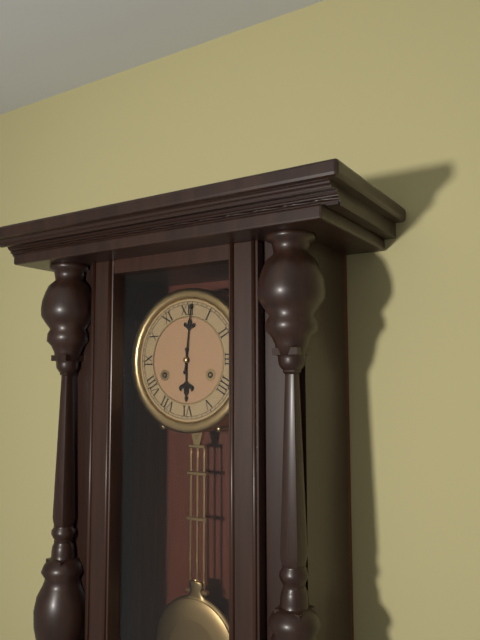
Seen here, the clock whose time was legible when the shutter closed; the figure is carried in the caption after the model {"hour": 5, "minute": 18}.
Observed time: {"hour": 6, "minute": 1}
